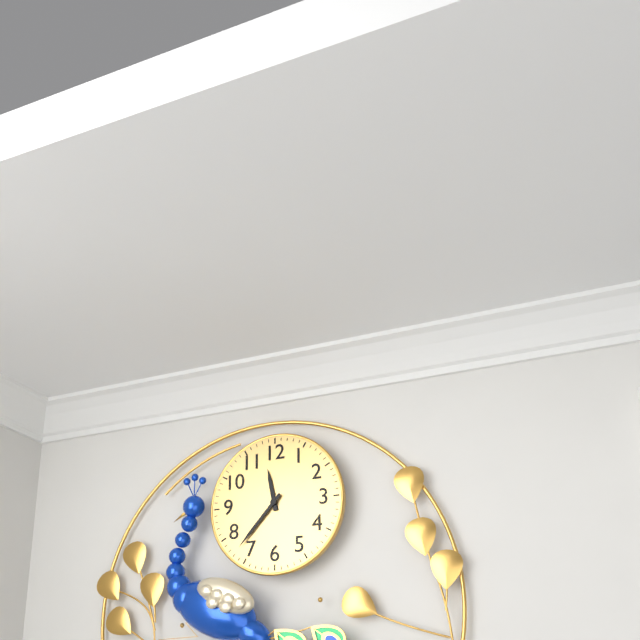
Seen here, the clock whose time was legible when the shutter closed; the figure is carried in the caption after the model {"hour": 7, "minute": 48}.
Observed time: {"hour": 11, "minute": 37}
